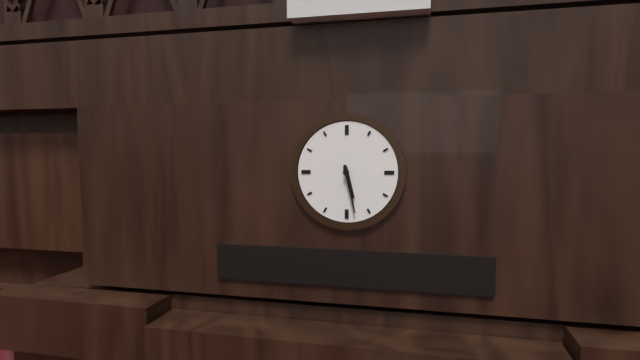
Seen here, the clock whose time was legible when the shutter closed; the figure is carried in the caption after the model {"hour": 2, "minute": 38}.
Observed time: {"hour": 5, "minute": 28}
